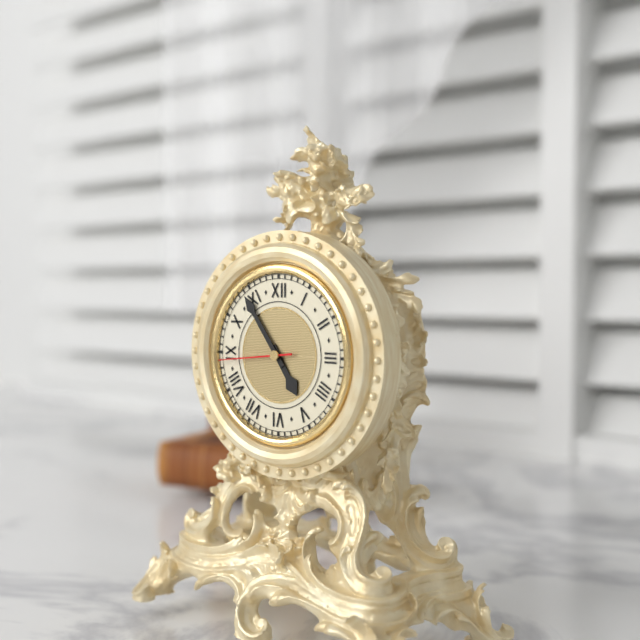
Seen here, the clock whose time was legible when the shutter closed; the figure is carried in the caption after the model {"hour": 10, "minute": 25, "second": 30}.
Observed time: {"hour": 4, "minute": 54, "second": 44}
